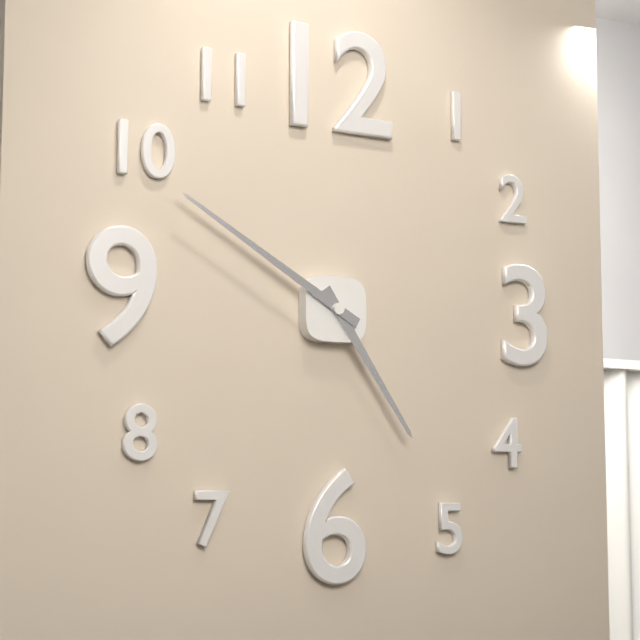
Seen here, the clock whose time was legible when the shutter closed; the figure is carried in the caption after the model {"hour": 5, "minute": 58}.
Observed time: {"hour": 4, "minute": 50}
